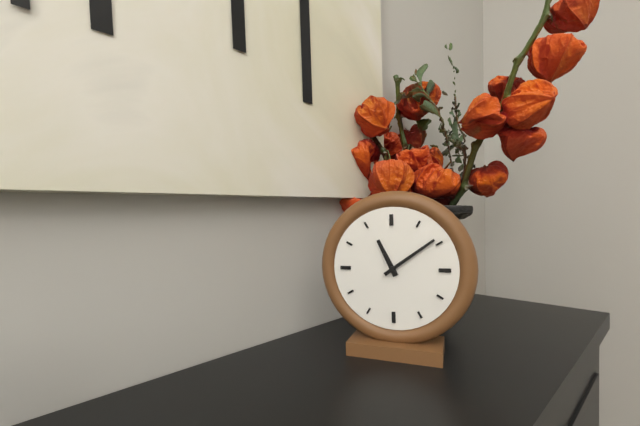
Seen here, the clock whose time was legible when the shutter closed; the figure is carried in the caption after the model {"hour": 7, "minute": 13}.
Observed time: {"hour": 11, "minute": 9}
